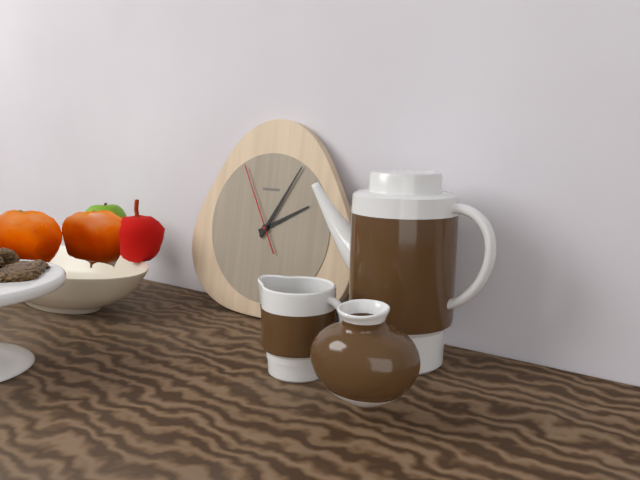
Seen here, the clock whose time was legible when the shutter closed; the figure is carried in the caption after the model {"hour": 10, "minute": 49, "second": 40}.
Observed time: {"hour": 2, "minute": 5, "second": 55}
